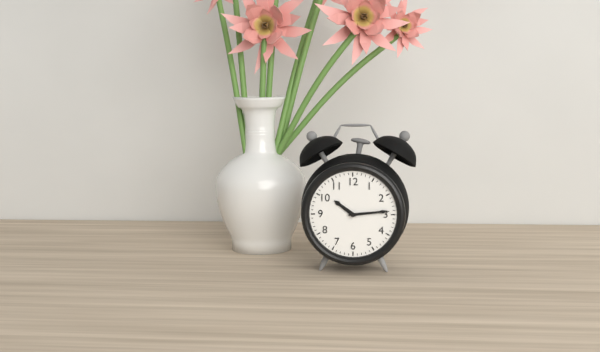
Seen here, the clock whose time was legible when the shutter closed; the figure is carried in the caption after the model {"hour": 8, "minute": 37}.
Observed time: {"hour": 10, "minute": 14}
